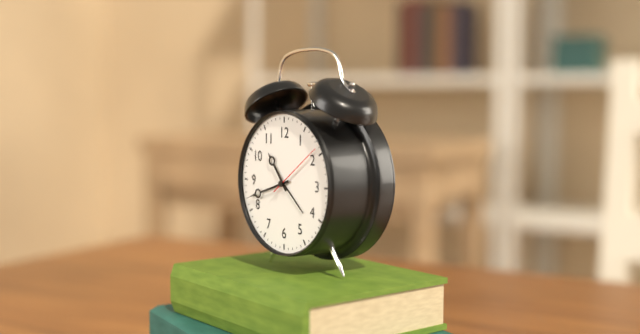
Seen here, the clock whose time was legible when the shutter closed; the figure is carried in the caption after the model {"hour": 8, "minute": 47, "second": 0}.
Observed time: {"hour": 10, "minute": 42, "second": 9}
